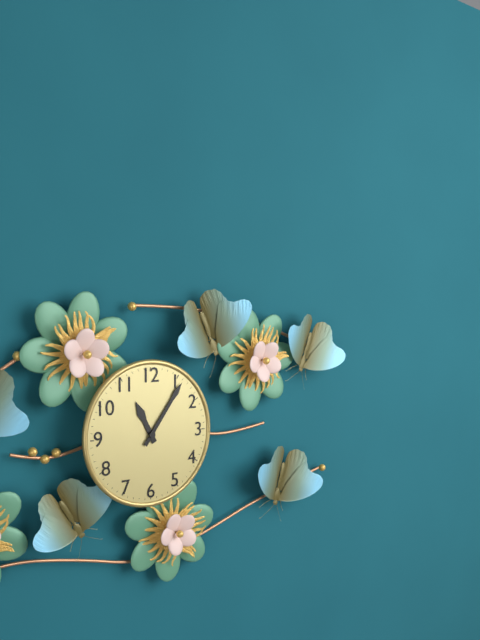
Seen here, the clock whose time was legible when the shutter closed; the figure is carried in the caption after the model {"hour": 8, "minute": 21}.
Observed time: {"hour": 11, "minute": 6}
